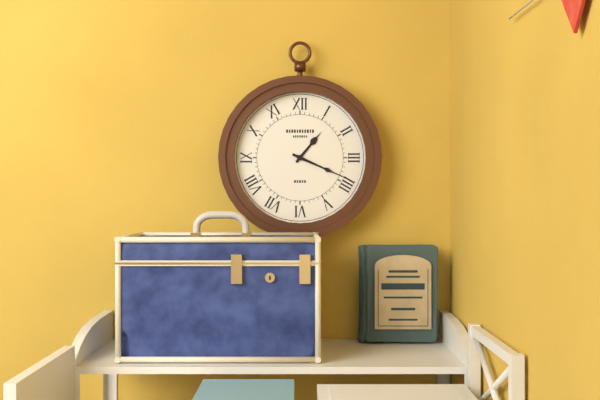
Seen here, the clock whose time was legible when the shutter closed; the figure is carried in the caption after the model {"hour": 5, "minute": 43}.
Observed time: {"hour": 1, "minute": 19}
